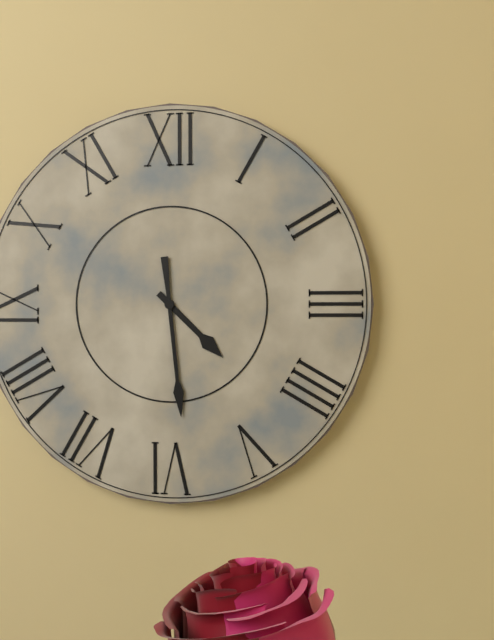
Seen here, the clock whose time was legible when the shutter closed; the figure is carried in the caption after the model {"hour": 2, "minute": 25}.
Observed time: {"hour": 4, "minute": 29}
